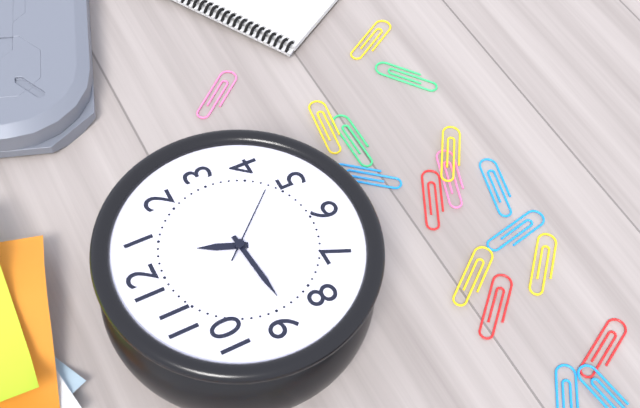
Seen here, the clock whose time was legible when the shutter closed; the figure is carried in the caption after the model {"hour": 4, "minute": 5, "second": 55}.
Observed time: {"hour": 12, "minute": 44, "second": 23}
